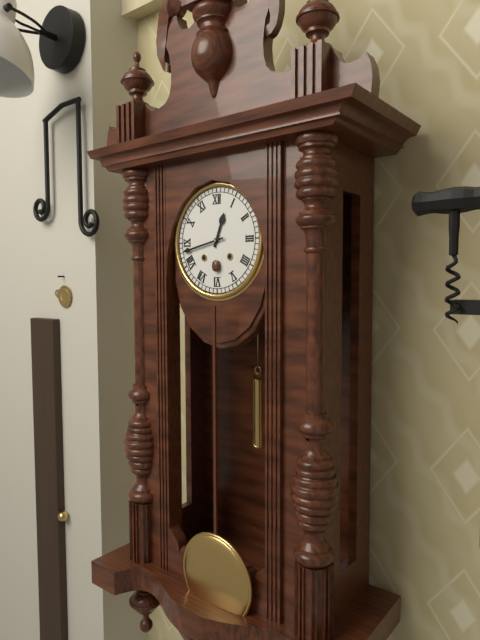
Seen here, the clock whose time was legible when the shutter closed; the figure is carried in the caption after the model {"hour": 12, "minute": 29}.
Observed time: {"hour": 12, "minute": 43}
